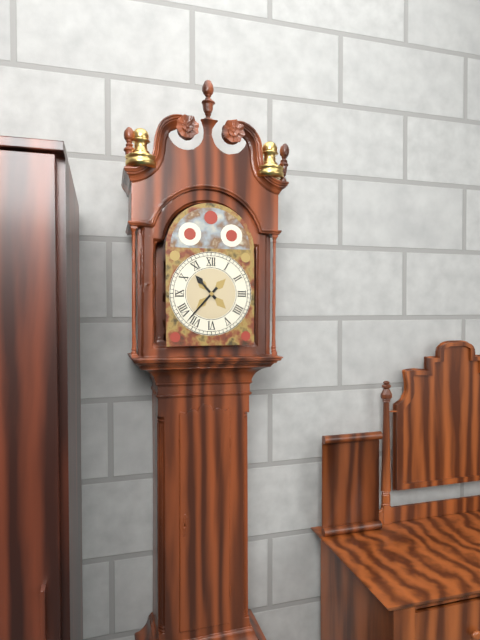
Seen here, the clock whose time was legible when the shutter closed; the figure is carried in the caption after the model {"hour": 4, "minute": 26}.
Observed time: {"hour": 10, "minute": 37}
